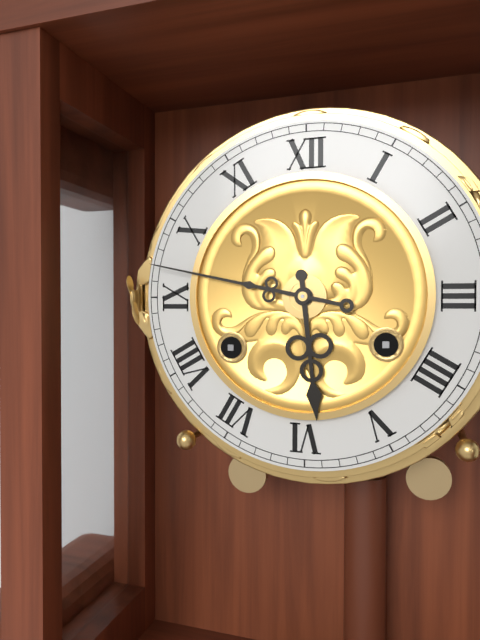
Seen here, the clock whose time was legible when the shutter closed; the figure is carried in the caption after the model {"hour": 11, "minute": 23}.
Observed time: {"hour": 5, "minute": 47}
